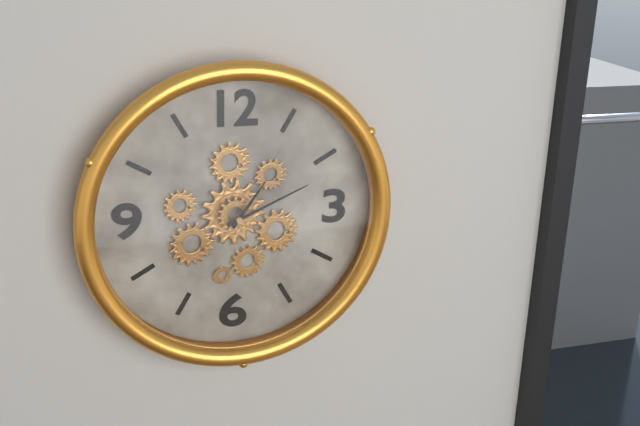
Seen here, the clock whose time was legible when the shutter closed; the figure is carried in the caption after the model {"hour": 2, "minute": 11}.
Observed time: {"hour": 1, "minute": 11}
